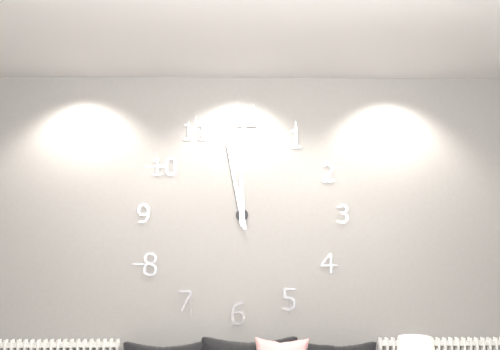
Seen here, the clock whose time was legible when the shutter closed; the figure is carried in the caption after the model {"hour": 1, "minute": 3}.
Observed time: {"hour": 11, "minute": 58}
